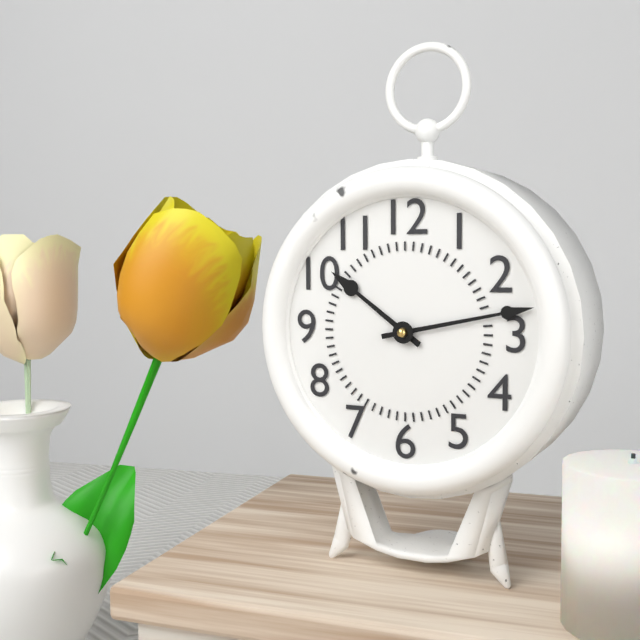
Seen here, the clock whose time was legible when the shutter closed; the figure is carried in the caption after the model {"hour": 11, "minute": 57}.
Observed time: {"hour": 10, "minute": 13}
